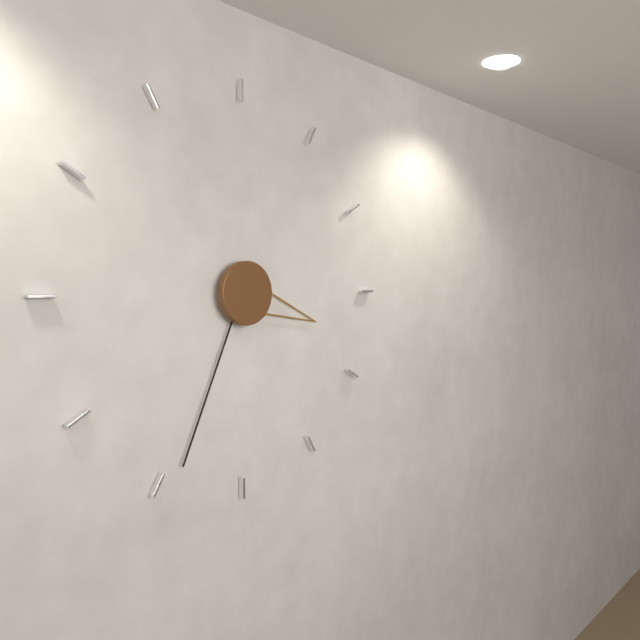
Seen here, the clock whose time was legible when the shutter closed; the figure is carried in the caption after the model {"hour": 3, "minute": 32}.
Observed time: {"hour": 3, "minute": 34}
